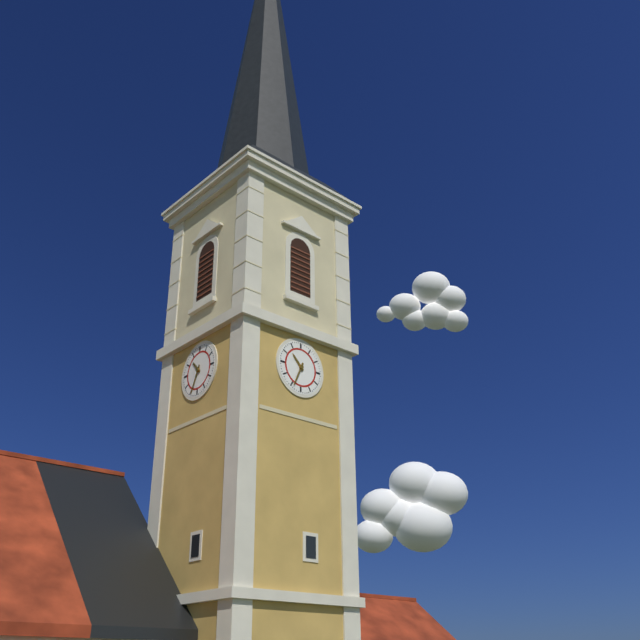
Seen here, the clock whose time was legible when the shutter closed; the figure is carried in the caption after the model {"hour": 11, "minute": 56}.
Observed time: {"hour": 10, "minute": 34}
